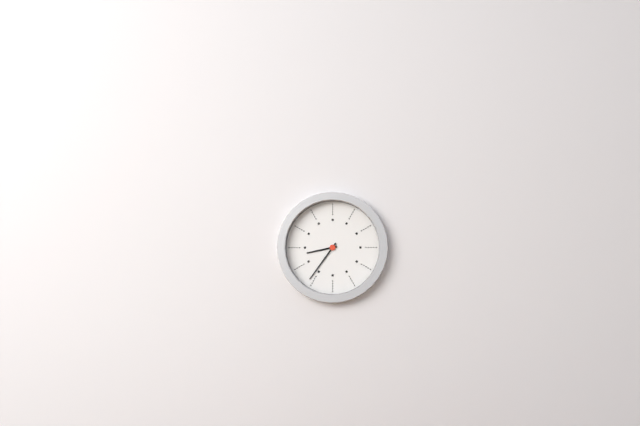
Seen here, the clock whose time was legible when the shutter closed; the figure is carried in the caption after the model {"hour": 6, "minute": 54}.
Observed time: {"hour": 8, "minute": 36}
